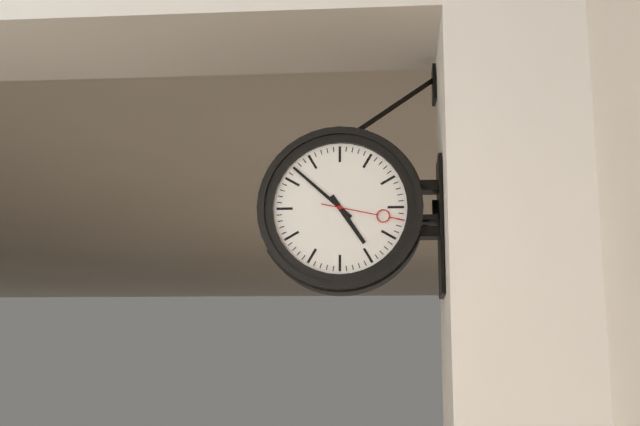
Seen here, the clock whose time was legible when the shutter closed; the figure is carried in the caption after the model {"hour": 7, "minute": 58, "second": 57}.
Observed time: {"hour": 4, "minute": 52, "second": 17}
